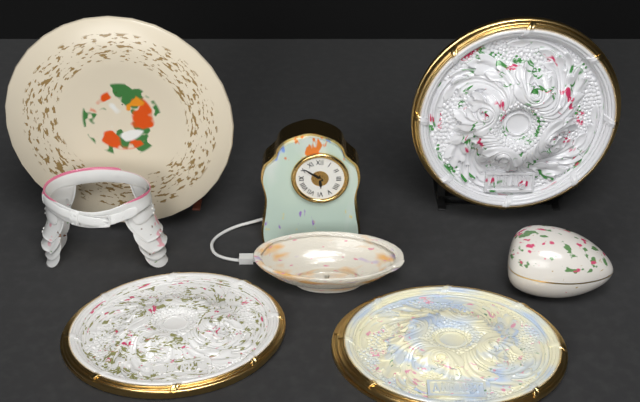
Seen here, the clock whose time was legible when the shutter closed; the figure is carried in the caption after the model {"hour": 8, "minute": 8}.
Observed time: {"hour": 5, "minute": 51}
